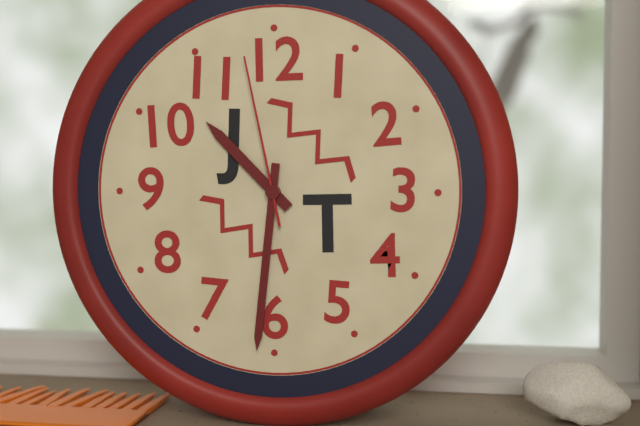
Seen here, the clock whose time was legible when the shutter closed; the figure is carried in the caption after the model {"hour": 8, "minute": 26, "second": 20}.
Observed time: {"hour": 10, "minute": 31, "second": 58}
